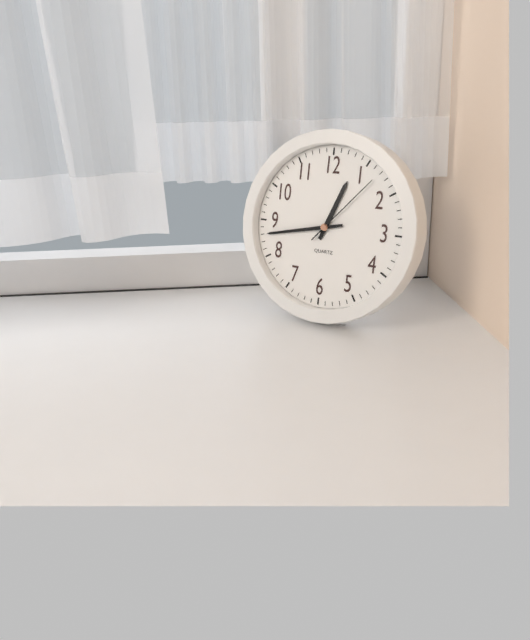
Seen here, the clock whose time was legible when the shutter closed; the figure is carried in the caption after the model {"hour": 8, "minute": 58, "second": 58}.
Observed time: {"hour": 12, "minute": 43, "second": 7}
